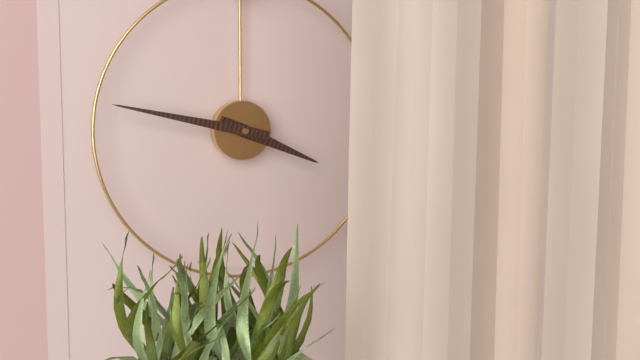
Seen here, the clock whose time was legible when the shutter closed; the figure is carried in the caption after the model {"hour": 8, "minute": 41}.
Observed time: {"hour": 3, "minute": 47}
